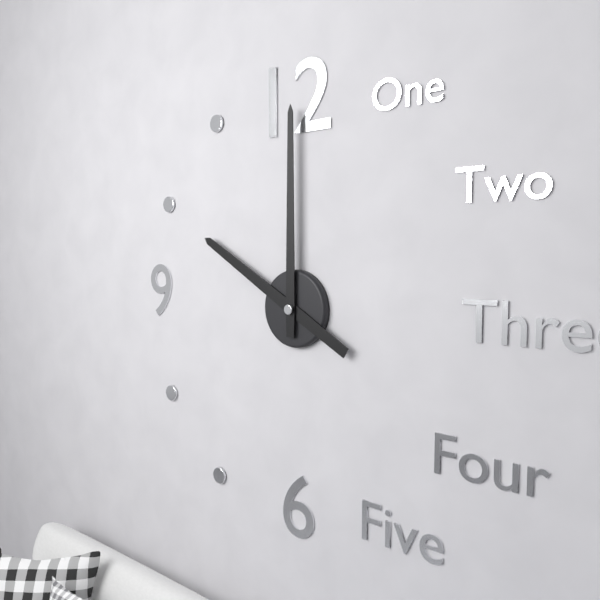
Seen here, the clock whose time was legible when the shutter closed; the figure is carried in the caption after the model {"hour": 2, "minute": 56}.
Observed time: {"hour": 10, "minute": 0}
